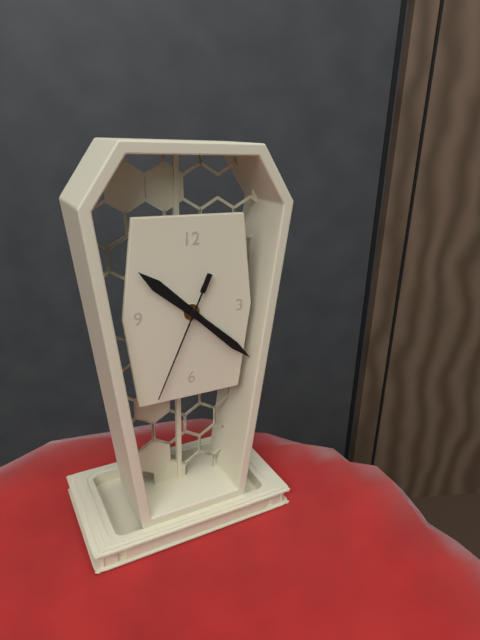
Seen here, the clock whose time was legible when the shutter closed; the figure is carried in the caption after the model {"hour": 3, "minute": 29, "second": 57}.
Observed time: {"hour": 10, "minute": 22, "second": 34}
